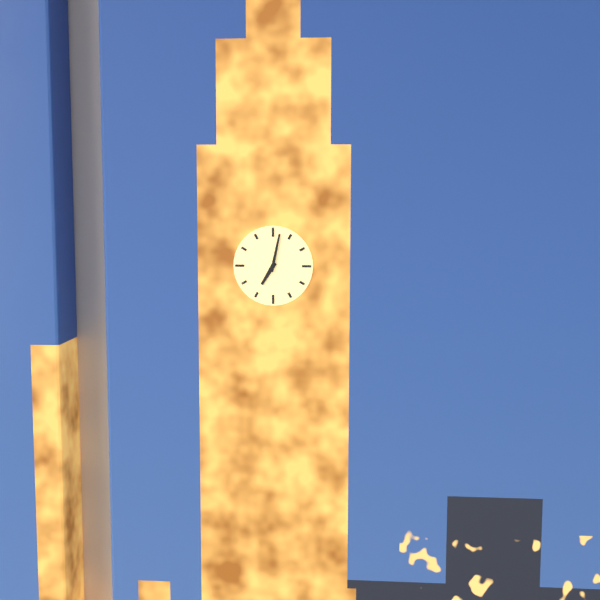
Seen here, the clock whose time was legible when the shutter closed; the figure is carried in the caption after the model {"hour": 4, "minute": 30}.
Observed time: {"hour": 7, "minute": 2}
